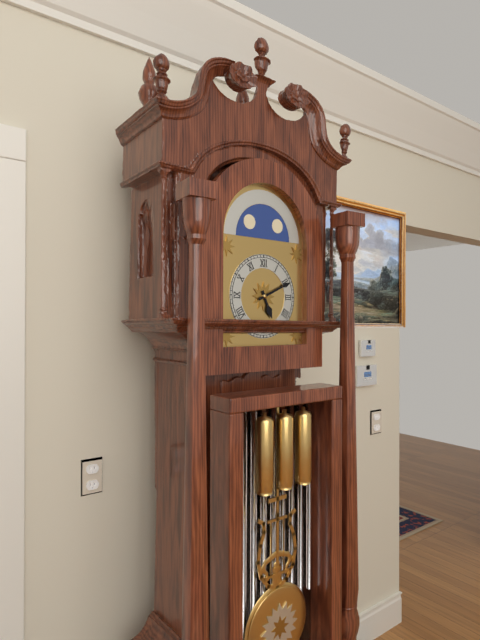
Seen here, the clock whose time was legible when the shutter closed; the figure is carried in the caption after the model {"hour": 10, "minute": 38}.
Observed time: {"hour": 5, "minute": 11}
